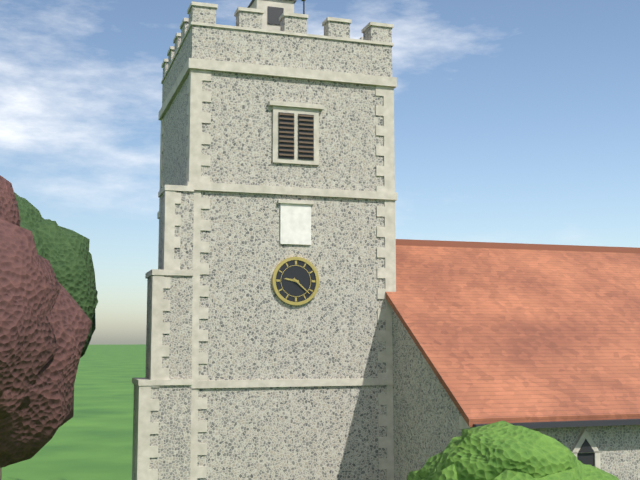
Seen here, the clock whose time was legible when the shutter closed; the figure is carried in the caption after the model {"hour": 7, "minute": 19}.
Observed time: {"hour": 9, "minute": 22}
